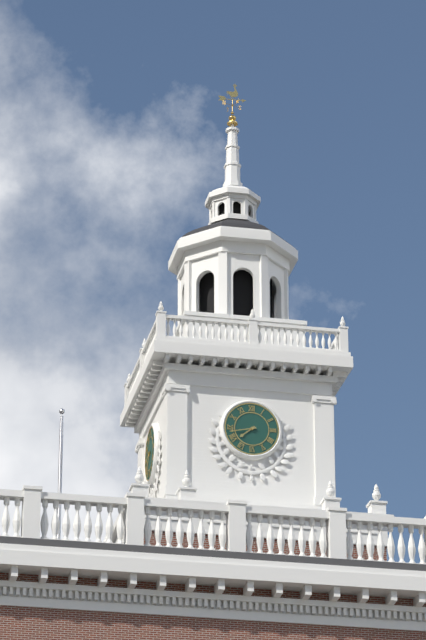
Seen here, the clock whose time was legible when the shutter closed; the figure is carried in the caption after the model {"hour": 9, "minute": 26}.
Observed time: {"hour": 7, "minute": 43}
